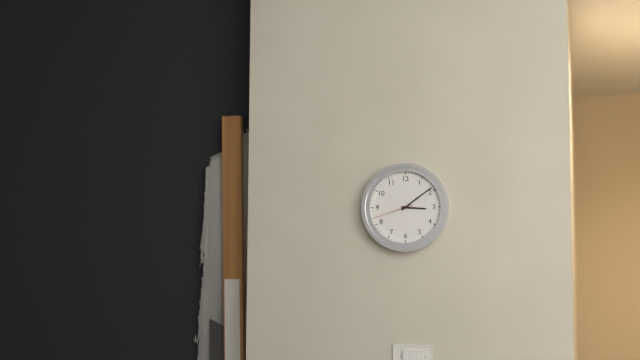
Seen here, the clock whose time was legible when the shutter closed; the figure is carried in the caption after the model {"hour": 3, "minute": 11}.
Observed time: {"hour": 3, "minute": 9}
